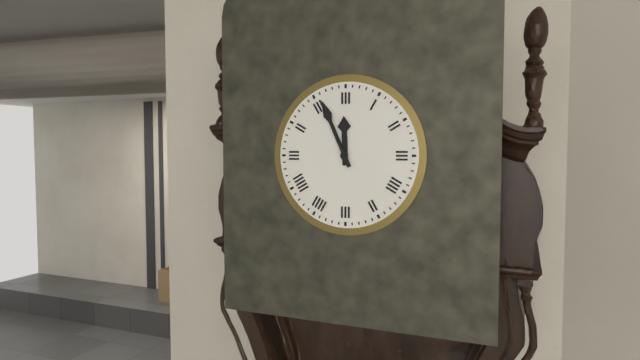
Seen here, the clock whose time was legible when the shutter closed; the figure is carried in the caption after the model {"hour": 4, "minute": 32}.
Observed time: {"hour": 11, "minute": 56}
